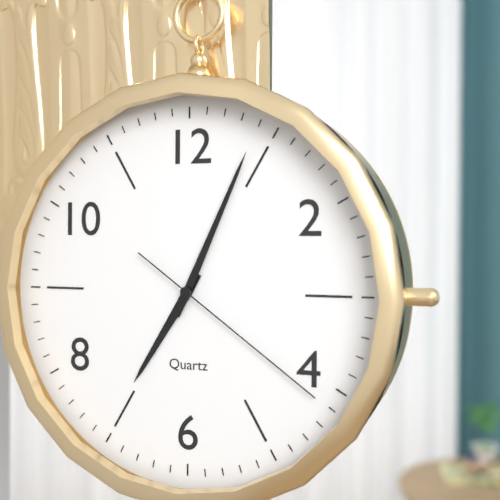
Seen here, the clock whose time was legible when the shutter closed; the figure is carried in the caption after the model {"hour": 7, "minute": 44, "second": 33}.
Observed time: {"hour": 7, "minute": 4, "second": 21}
